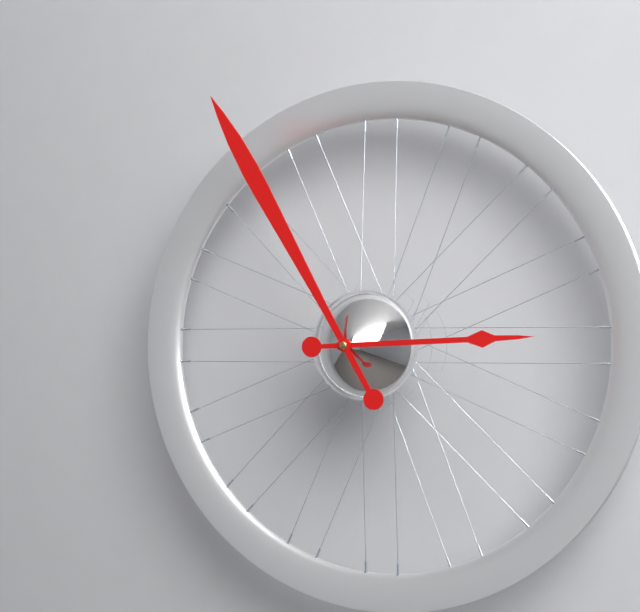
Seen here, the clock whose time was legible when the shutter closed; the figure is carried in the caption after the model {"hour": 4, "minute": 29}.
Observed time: {"hour": 2, "minute": 55}
